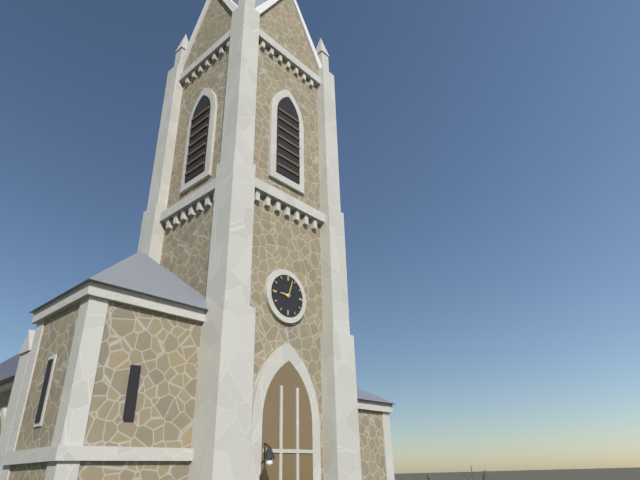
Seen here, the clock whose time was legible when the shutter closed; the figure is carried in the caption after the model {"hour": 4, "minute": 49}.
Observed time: {"hour": 9, "minute": 3}
